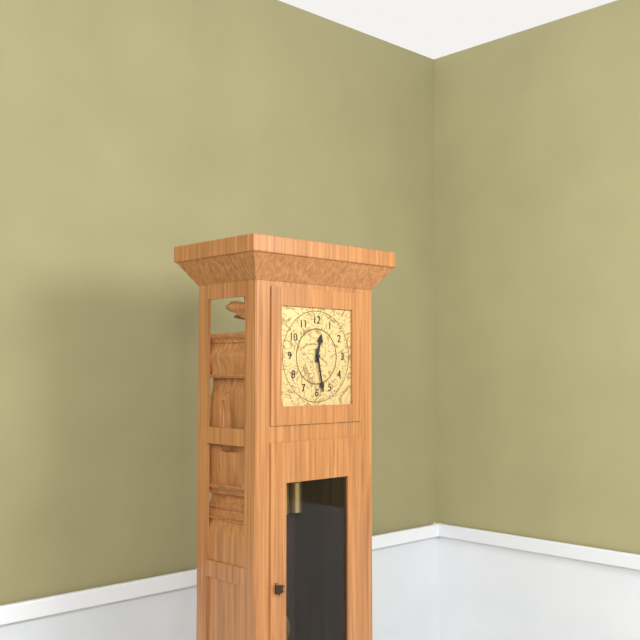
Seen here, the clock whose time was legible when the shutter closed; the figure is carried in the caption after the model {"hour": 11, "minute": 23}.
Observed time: {"hour": 12, "minute": 28}
